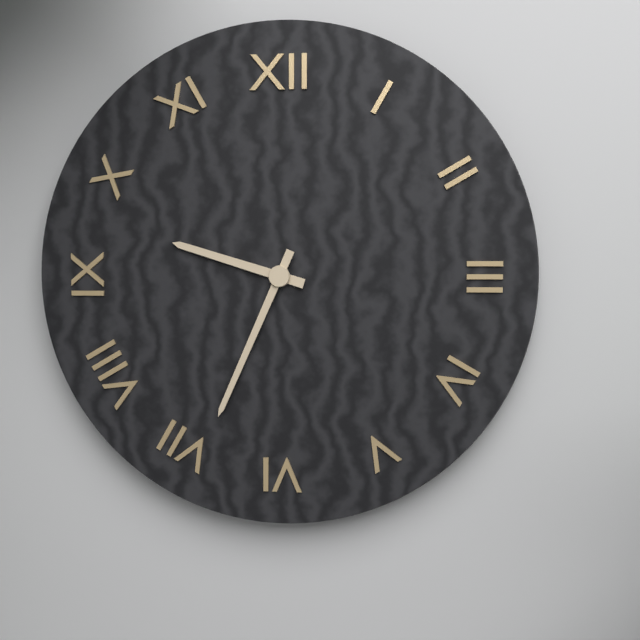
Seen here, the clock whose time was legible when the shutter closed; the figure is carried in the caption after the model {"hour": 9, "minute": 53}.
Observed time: {"hour": 9, "minute": 34}
